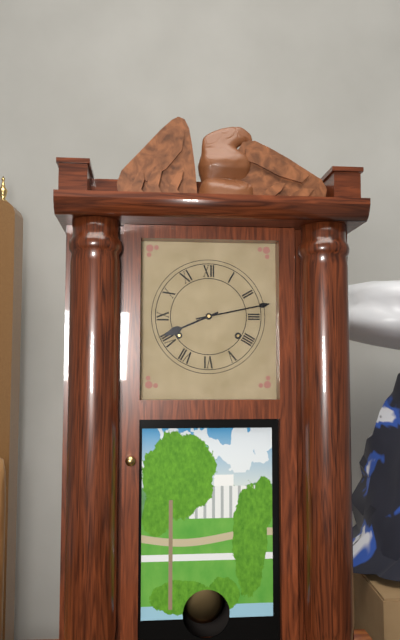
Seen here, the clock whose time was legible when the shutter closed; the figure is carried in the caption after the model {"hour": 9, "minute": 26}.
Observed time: {"hour": 8, "minute": 13}
